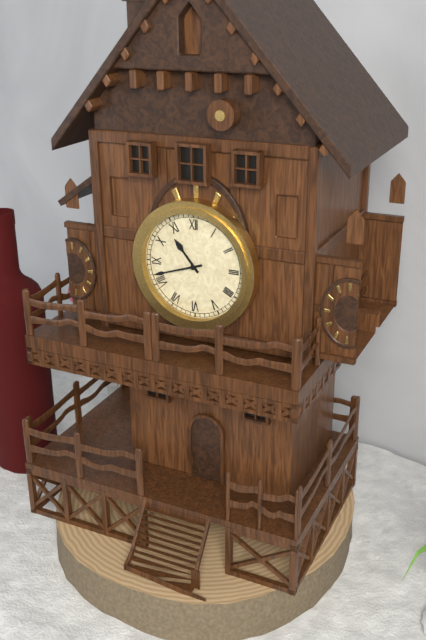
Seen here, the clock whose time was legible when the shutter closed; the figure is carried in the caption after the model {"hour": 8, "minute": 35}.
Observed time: {"hour": 10, "minute": 42}
